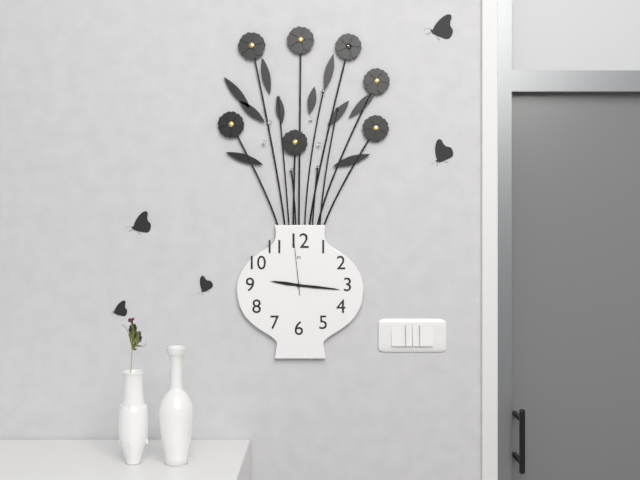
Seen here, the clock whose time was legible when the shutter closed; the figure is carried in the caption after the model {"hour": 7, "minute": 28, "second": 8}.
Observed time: {"hour": 9, "minute": 16, "second": 59}
